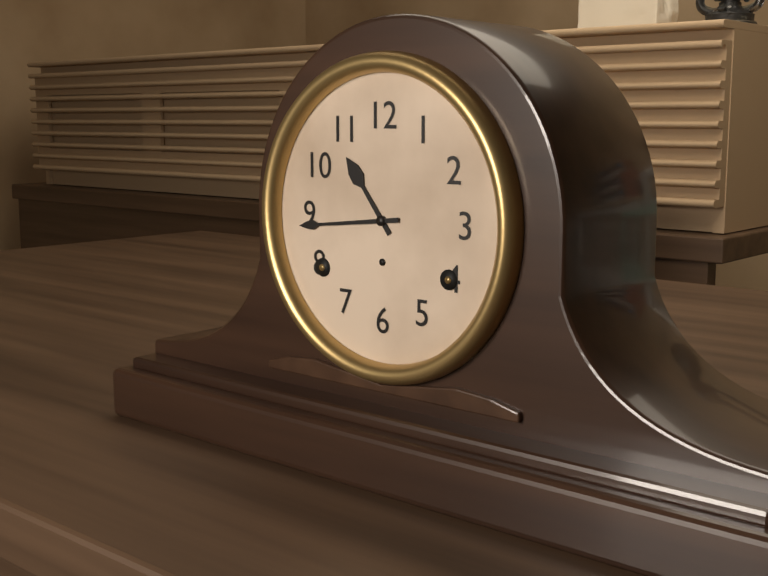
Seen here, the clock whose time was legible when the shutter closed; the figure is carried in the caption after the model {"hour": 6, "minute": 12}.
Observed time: {"hour": 10, "minute": 44}
